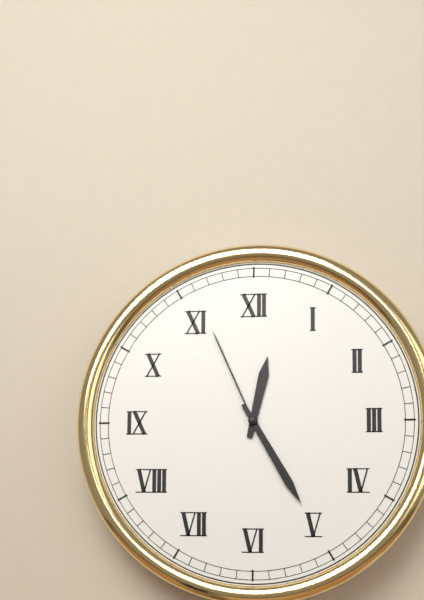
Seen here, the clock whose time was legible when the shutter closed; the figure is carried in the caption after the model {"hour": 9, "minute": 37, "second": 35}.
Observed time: {"hour": 12, "minute": 25, "second": 56}
